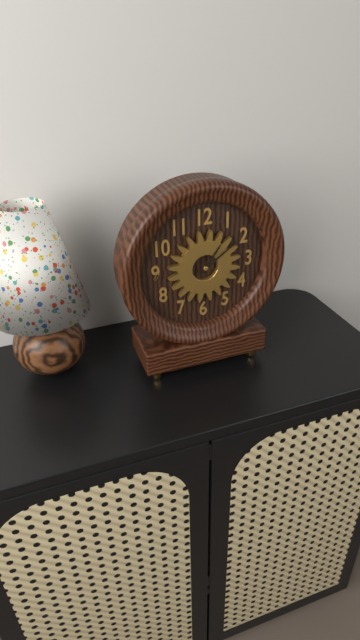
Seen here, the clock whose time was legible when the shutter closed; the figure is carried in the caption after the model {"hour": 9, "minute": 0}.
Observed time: {"hour": 1, "minute": 9}
